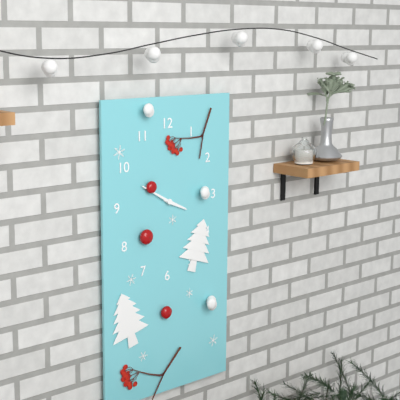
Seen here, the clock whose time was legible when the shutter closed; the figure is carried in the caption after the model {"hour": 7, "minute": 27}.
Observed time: {"hour": 3, "minute": 50}
